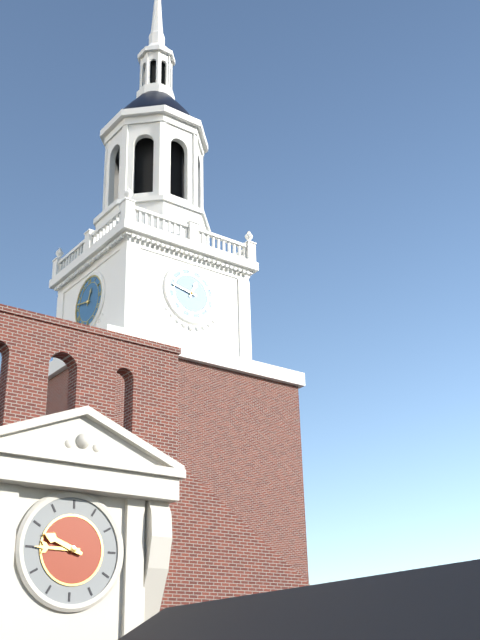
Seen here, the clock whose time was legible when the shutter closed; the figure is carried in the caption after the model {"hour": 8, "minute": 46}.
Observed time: {"hour": 12, "minute": 47}
